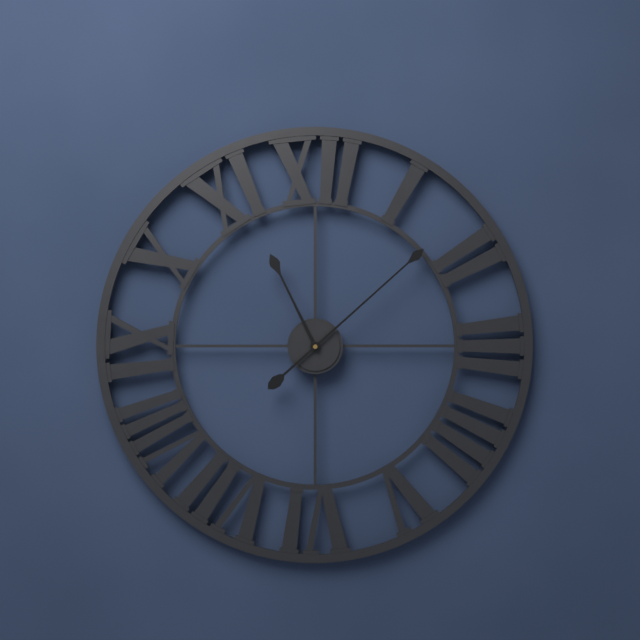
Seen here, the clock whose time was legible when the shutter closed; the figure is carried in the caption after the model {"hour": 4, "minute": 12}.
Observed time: {"hour": 11, "minute": 8}
